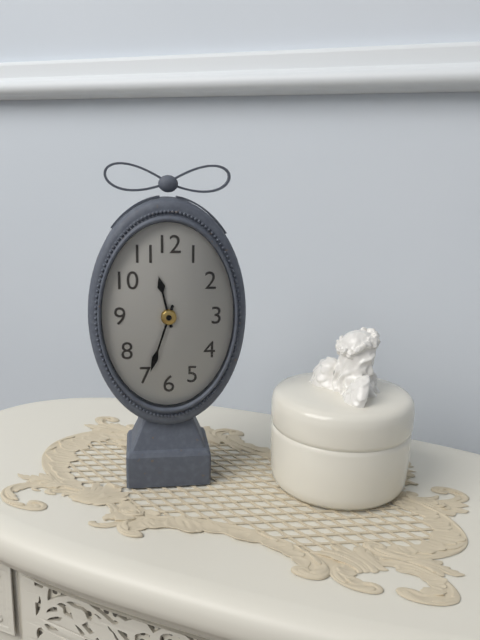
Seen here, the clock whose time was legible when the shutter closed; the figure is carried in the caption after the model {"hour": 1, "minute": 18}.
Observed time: {"hour": 11, "minute": 33}
